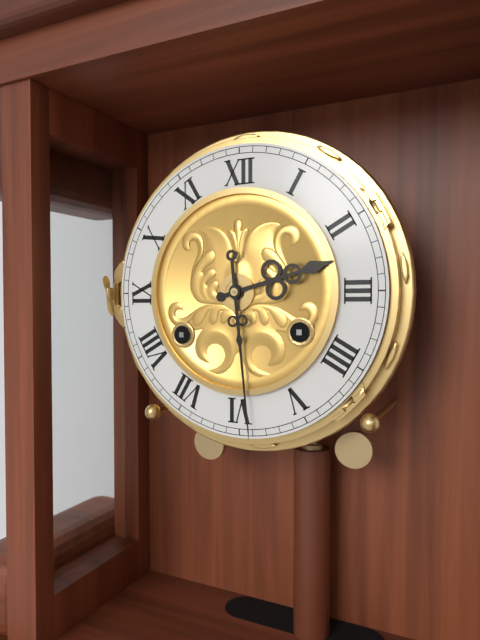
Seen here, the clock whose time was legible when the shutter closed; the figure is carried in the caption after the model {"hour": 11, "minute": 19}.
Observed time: {"hour": 2, "minute": 29}
